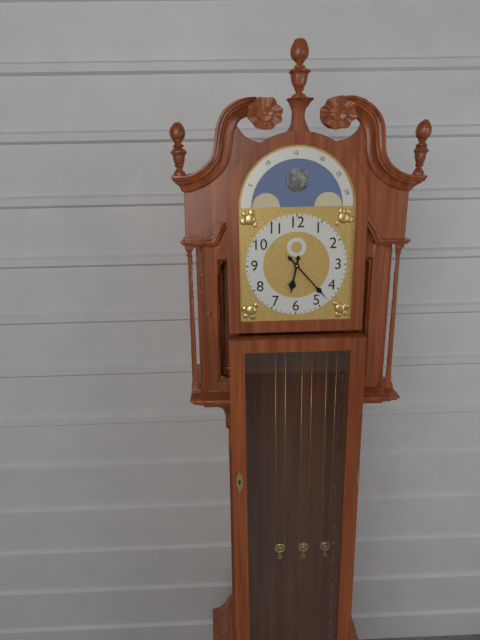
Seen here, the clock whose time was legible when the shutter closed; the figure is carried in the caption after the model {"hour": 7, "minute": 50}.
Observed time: {"hour": 6, "minute": 23}
